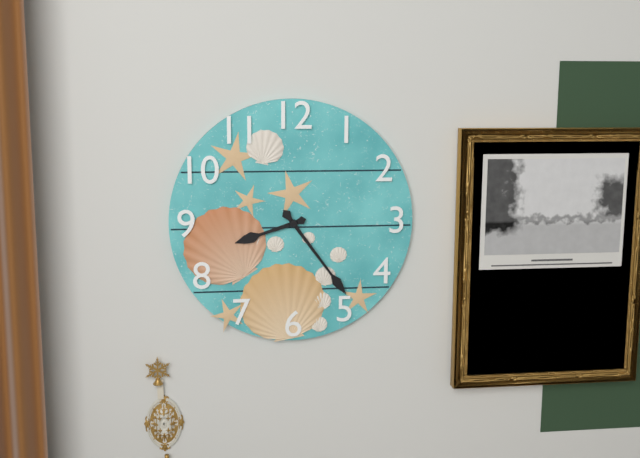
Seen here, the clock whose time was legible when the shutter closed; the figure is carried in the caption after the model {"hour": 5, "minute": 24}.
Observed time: {"hour": 8, "minute": 24}
